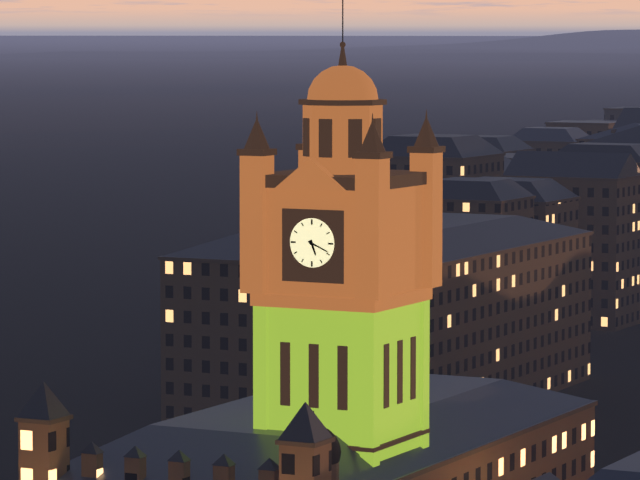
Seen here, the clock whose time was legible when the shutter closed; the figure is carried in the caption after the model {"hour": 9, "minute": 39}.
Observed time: {"hour": 5, "minute": 19}
